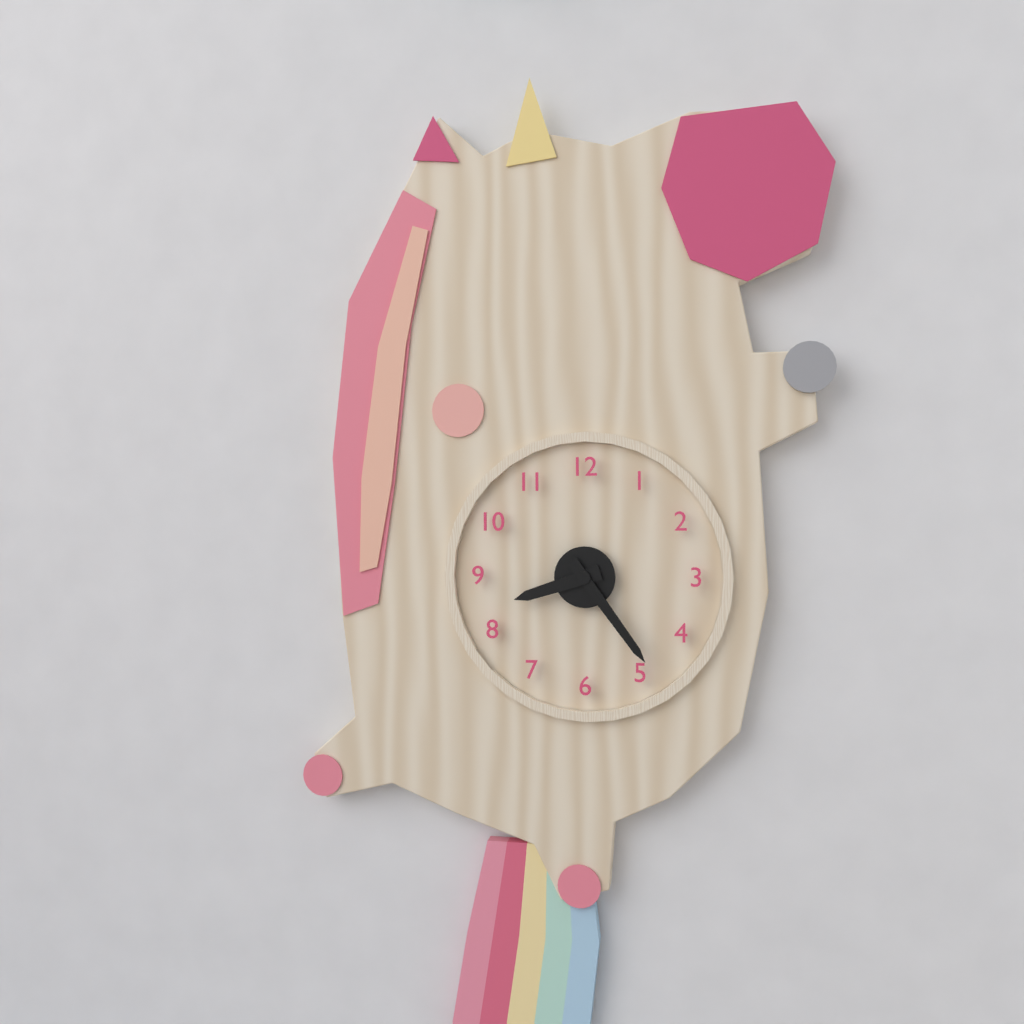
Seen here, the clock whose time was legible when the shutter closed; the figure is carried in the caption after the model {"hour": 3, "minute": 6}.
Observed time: {"hour": 8, "minute": 24}
